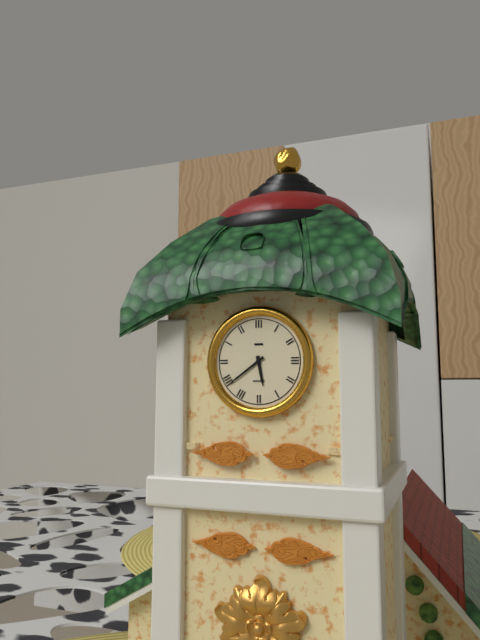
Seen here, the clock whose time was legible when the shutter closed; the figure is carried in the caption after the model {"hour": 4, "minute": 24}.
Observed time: {"hour": 5, "minute": 39}
